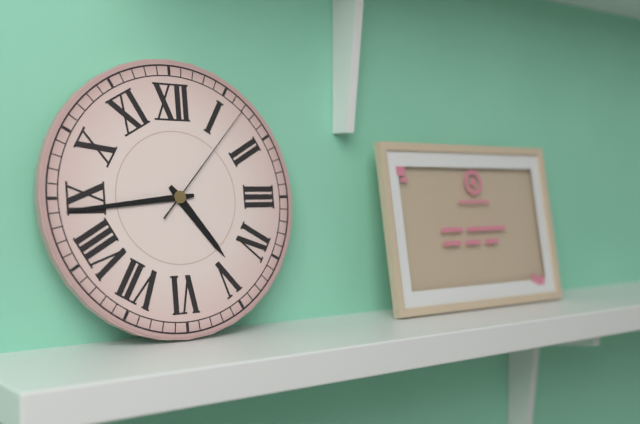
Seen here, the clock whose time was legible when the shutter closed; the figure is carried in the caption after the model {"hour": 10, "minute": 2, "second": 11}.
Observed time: {"hour": 4, "minute": 44, "second": 7}
